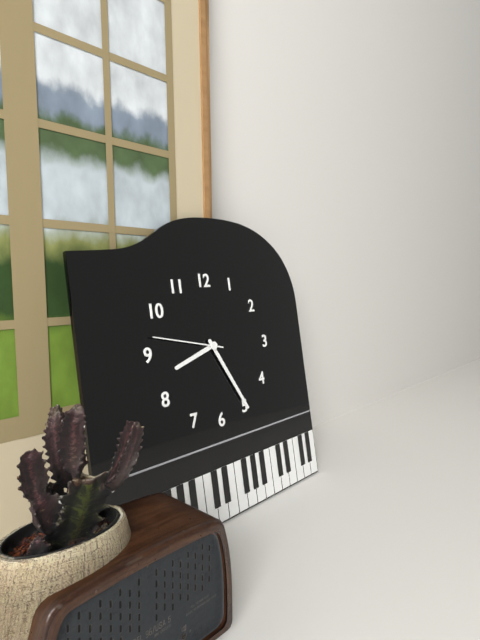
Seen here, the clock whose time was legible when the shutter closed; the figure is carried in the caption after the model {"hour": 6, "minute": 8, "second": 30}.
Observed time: {"hour": 8, "minute": 25, "second": 47}
